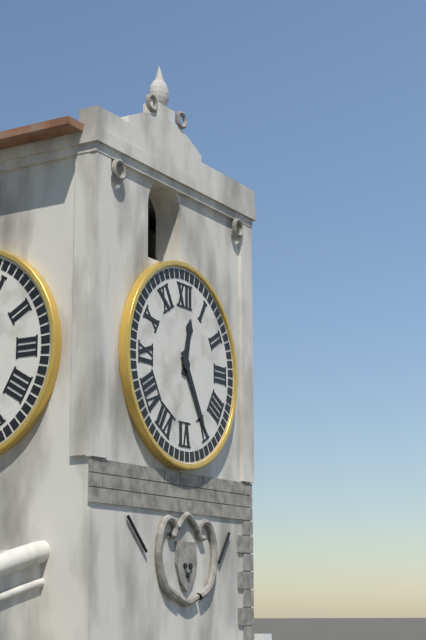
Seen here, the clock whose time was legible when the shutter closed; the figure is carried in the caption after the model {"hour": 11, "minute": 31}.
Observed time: {"hour": 12, "minute": 25}
